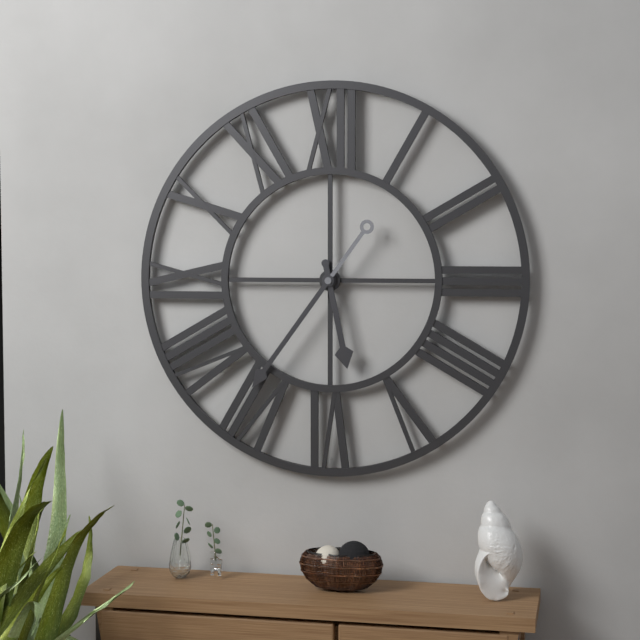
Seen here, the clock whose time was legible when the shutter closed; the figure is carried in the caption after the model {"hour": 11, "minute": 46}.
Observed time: {"hour": 5, "minute": 36}
